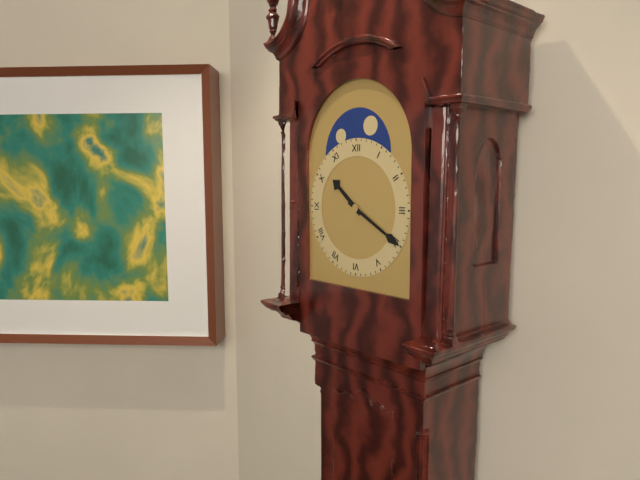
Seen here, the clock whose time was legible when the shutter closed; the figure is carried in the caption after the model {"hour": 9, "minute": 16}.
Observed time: {"hour": 10, "minute": 20}
